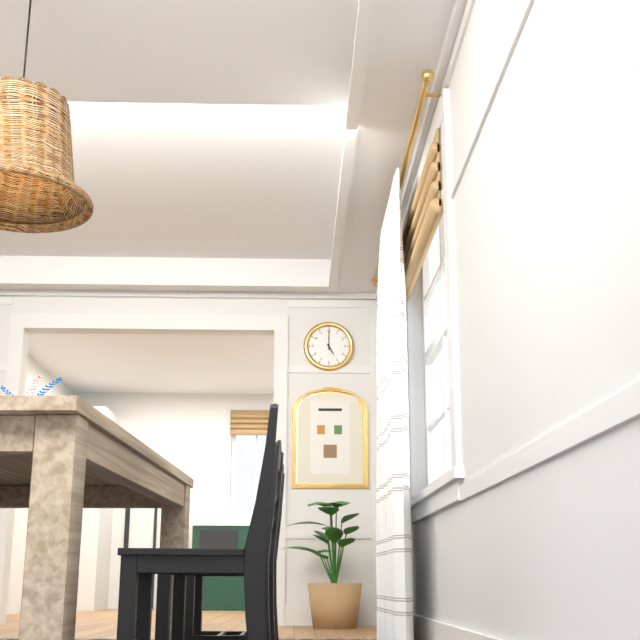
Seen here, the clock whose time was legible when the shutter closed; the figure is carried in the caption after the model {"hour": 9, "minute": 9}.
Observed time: {"hour": 5, "minute": 0}
